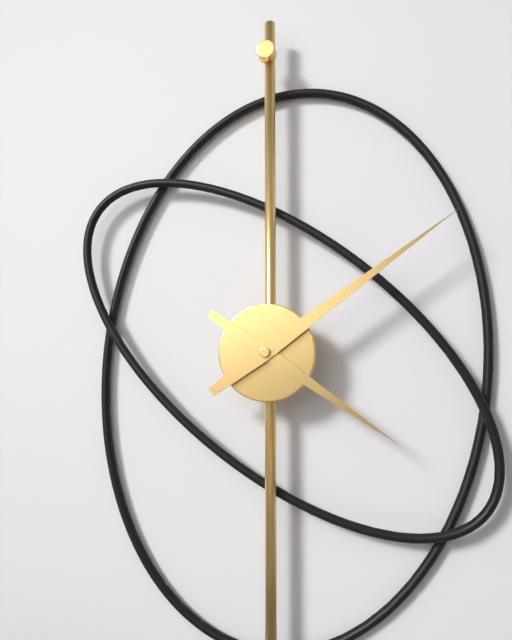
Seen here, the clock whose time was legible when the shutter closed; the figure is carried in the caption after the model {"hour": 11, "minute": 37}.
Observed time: {"hour": 4, "minute": 9}
